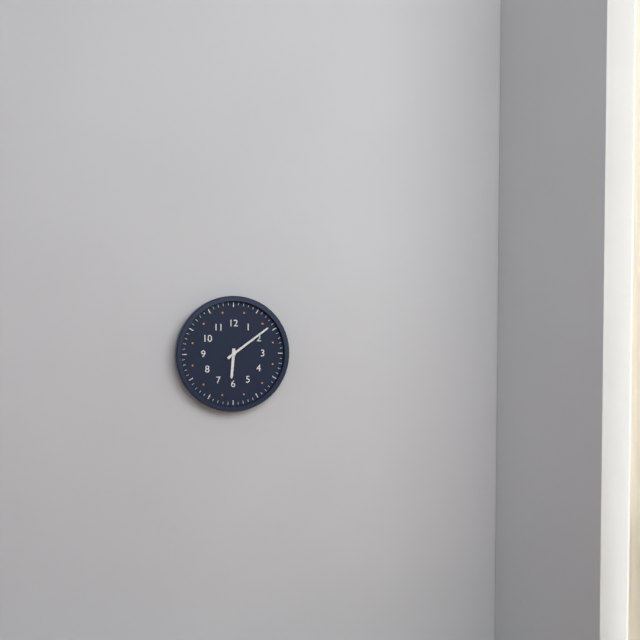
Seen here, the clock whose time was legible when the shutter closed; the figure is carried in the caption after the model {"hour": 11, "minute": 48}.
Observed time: {"hour": 6, "minute": 9}
